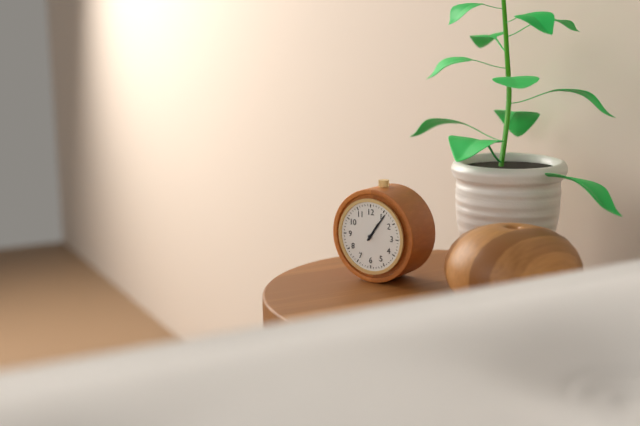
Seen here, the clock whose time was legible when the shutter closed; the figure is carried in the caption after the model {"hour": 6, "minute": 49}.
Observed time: {"hour": 1, "minute": 6}
